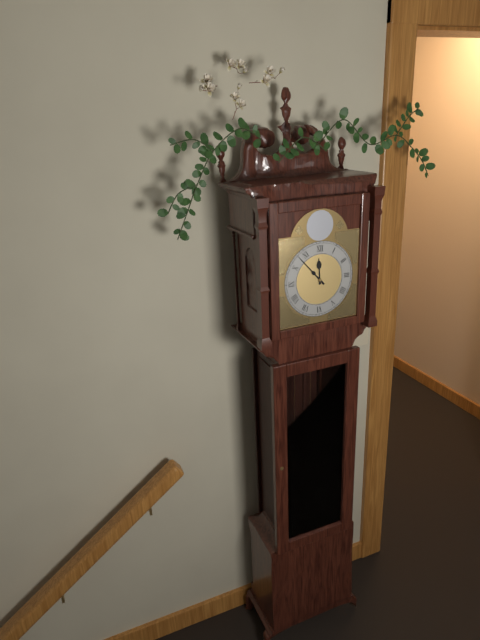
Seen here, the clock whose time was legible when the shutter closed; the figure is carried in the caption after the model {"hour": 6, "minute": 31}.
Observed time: {"hour": 11, "minute": 53}
